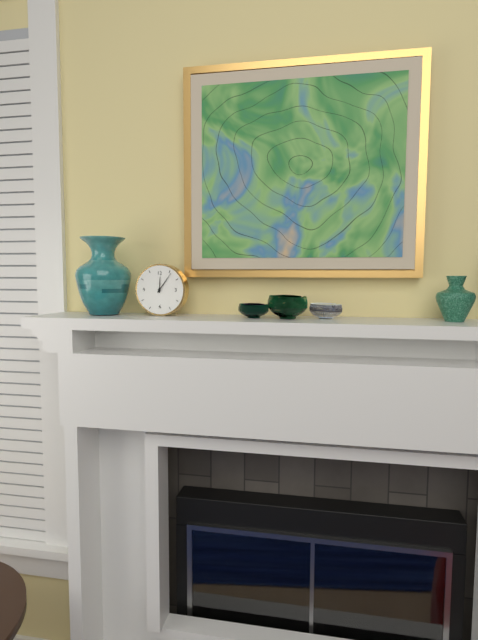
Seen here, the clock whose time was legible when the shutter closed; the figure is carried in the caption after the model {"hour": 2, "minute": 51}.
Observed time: {"hour": 12, "minute": 6}
